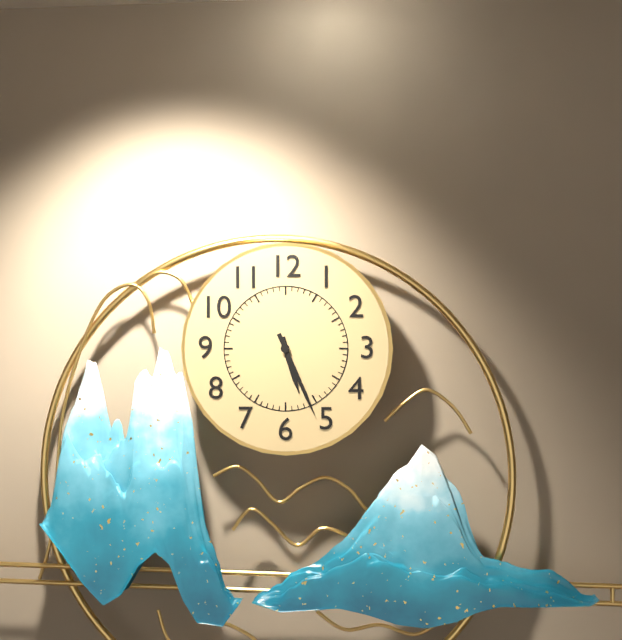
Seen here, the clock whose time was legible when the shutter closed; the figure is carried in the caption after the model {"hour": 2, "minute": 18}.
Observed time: {"hour": 5, "minute": 26}
